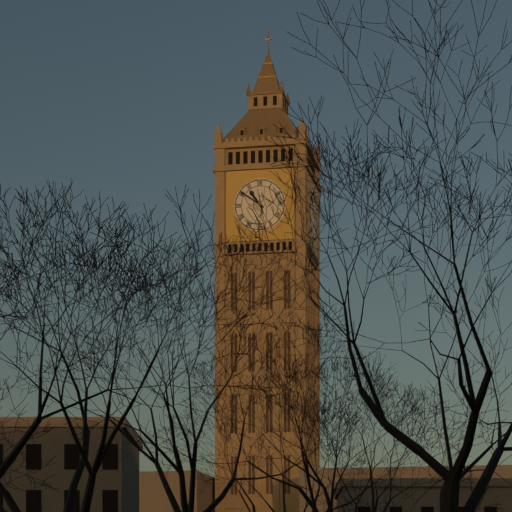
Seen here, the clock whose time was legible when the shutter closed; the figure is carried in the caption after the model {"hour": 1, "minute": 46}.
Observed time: {"hour": 10, "minute": 51}
